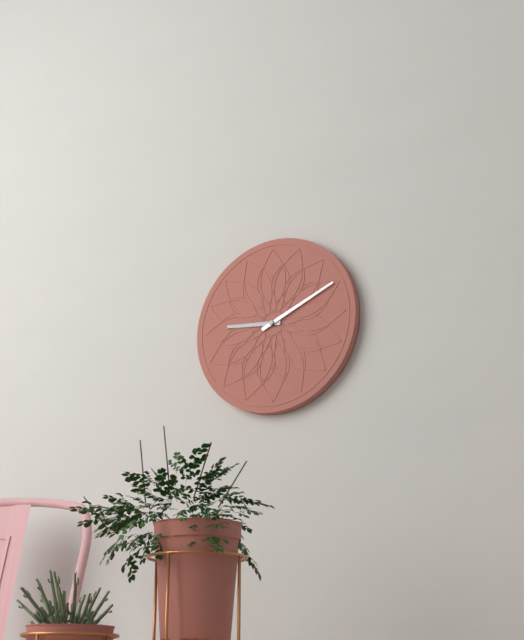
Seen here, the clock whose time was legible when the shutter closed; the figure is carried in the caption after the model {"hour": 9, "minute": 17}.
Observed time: {"hour": 9, "minute": 11}
